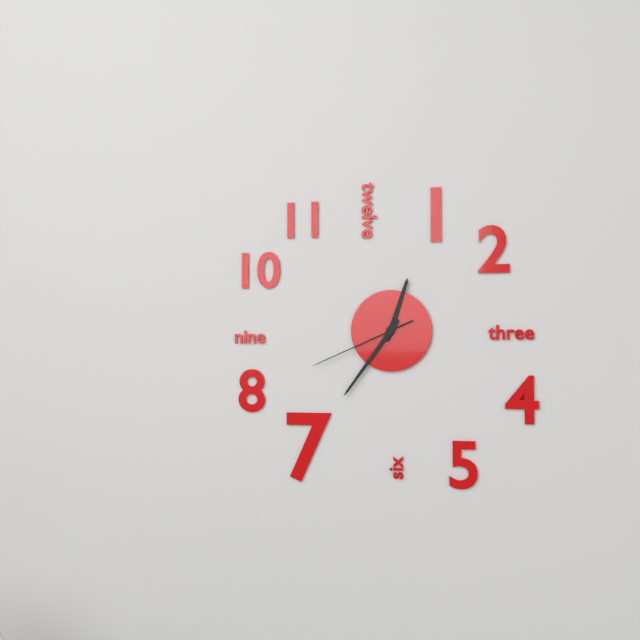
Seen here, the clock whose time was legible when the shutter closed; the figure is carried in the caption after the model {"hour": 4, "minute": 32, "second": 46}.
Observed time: {"hour": 12, "minute": 36, "second": 41}
